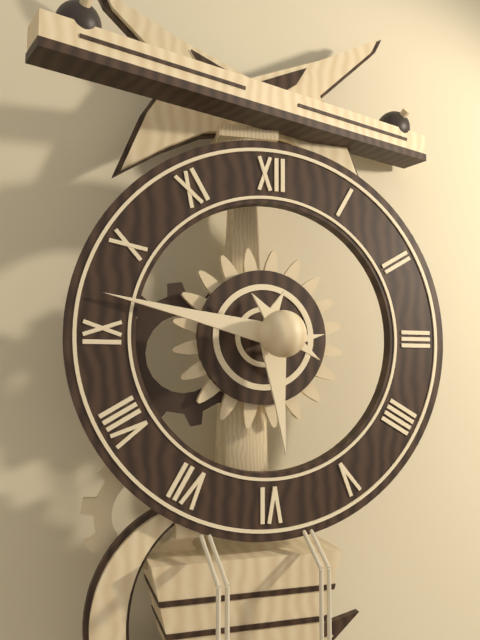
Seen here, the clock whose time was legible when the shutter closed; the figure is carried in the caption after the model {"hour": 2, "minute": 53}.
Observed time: {"hour": 5, "minute": 47}
